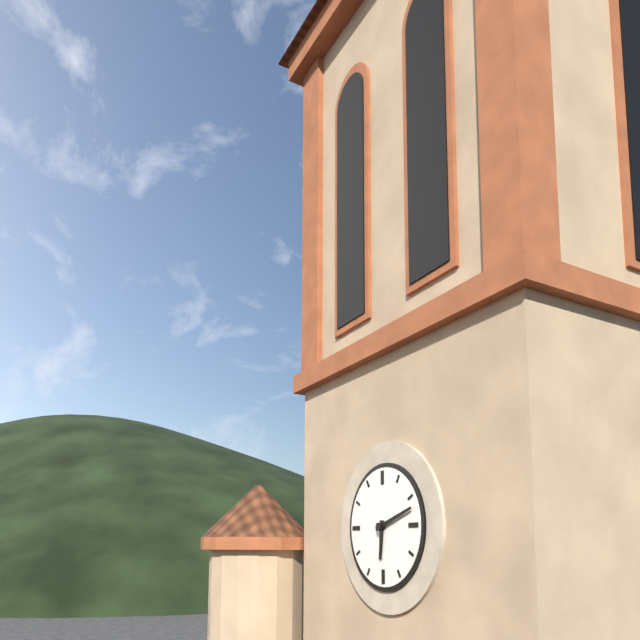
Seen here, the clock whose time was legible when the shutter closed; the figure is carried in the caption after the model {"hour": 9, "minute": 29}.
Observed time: {"hour": 6, "minute": 12}
